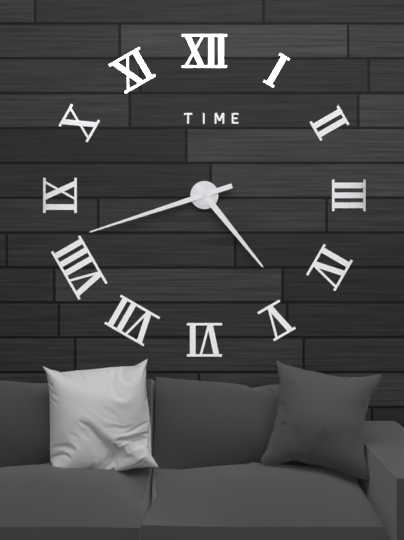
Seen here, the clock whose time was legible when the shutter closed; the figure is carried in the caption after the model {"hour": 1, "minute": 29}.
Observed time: {"hour": 4, "minute": 42}
